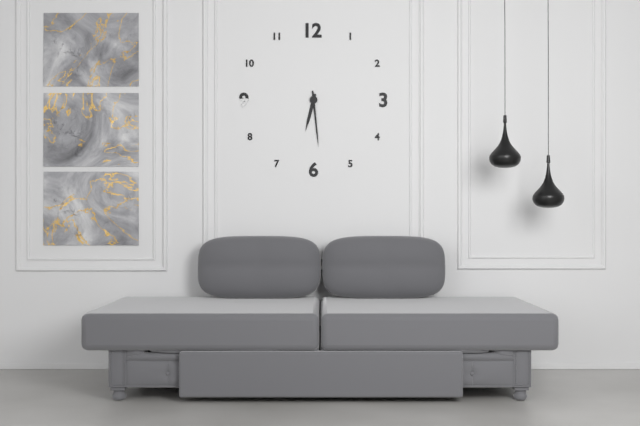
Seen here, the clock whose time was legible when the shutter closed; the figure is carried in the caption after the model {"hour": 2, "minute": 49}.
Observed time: {"hour": 6, "minute": 29}
